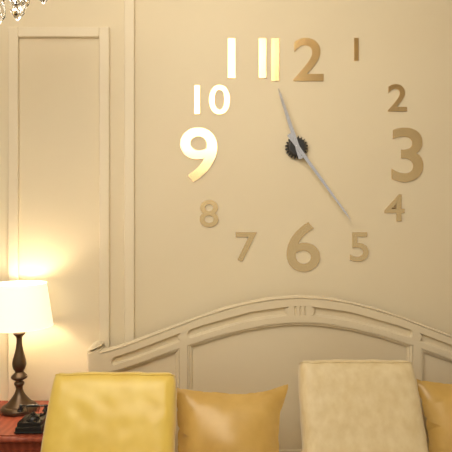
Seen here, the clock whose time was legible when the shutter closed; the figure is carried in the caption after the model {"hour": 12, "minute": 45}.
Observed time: {"hour": 11, "minute": 24}
